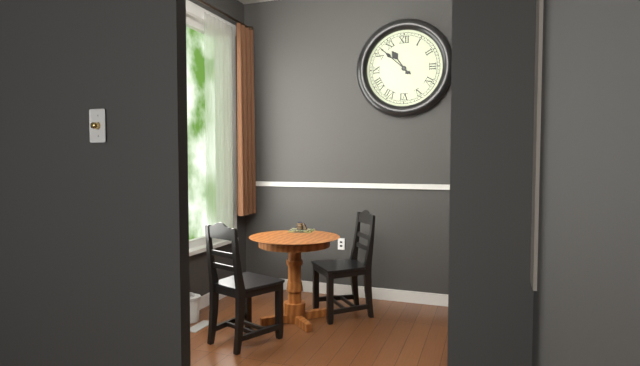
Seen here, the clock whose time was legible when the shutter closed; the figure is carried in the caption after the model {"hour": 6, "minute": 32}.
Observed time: {"hour": 10, "minute": 52}
